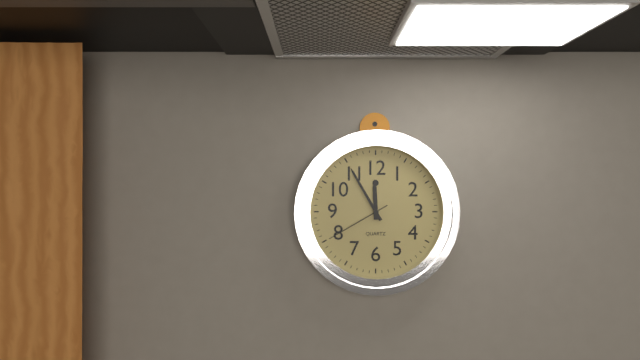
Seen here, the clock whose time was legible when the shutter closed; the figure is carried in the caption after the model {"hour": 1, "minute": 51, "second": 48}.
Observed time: {"hour": 11, "minute": 55, "second": 40}
